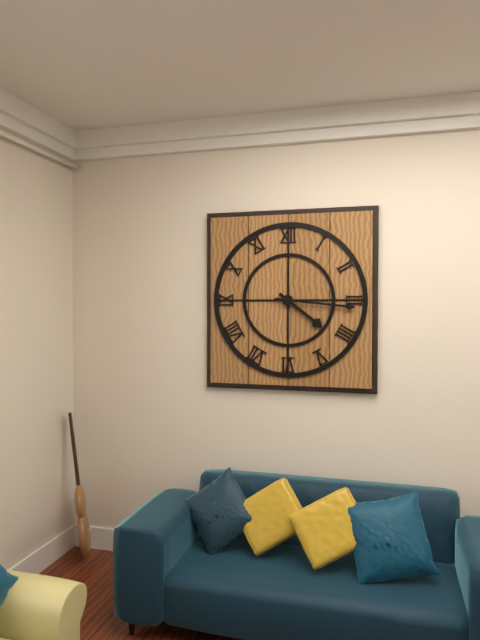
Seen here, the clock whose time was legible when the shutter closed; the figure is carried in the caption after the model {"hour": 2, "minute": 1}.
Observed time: {"hour": 4, "minute": 16}
